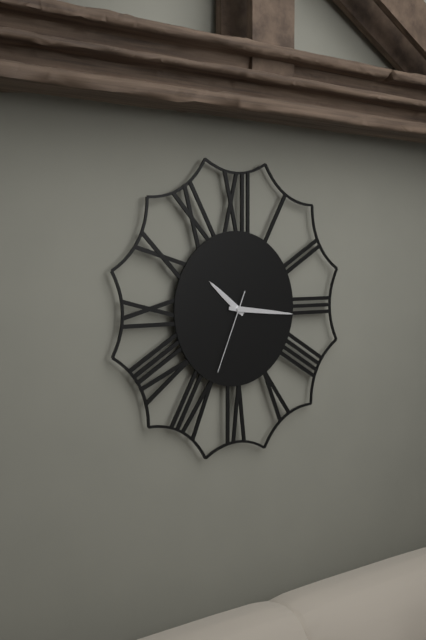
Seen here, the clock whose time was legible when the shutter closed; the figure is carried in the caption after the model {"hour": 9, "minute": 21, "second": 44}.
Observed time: {"hour": 10, "minute": 16, "second": 34}
